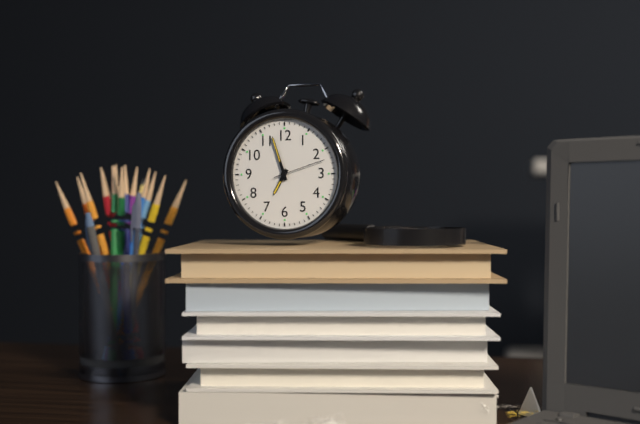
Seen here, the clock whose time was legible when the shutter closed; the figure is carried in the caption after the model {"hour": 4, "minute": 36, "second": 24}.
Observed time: {"hour": 6, "minute": 57, "second": 12}
